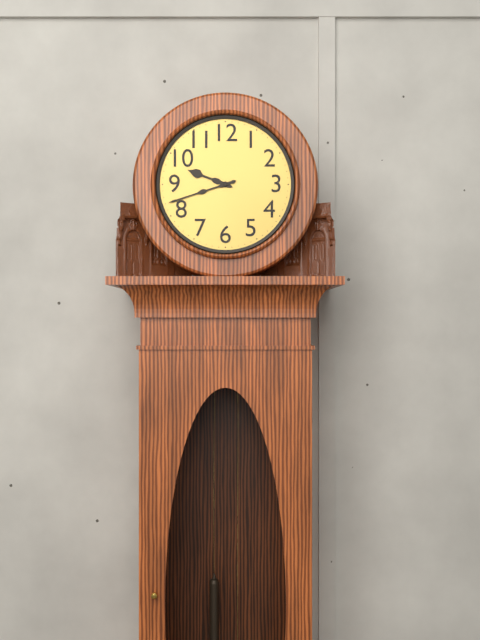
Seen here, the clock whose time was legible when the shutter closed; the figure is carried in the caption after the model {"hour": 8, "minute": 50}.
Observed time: {"hour": 9, "minute": 42}
